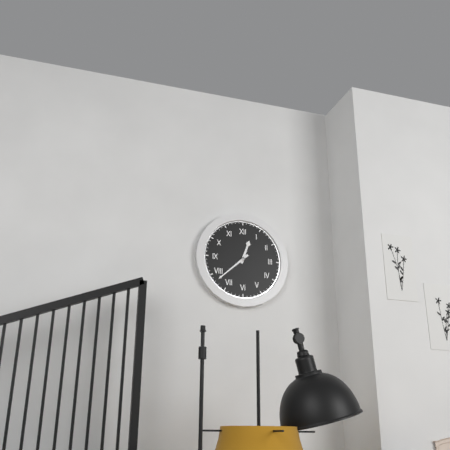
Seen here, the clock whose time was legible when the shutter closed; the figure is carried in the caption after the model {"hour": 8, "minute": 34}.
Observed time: {"hour": 12, "minute": 38}
